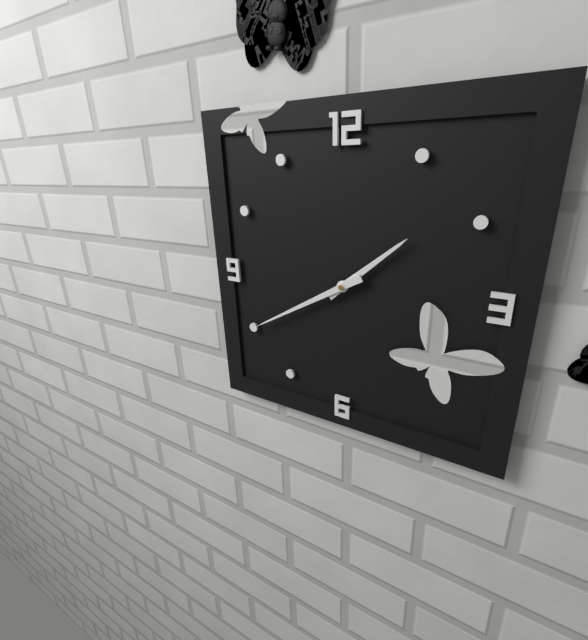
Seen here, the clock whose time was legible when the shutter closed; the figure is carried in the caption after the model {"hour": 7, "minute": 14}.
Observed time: {"hour": 1, "minute": 40}
